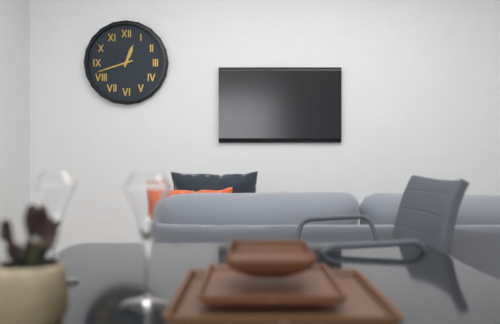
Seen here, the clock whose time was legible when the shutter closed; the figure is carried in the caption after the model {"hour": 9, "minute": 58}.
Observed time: {"hour": 12, "minute": 42}
